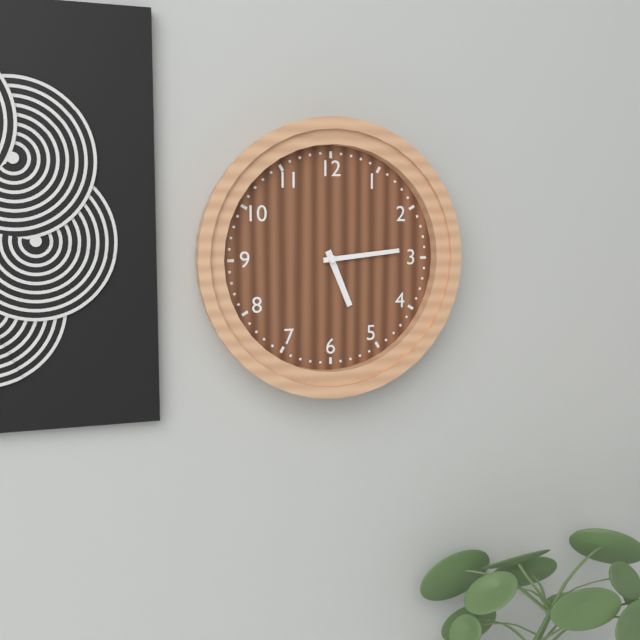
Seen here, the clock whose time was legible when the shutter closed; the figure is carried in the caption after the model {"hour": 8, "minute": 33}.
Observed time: {"hour": 5, "minute": 14}
